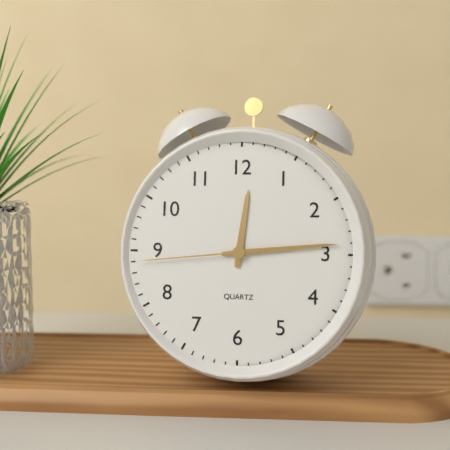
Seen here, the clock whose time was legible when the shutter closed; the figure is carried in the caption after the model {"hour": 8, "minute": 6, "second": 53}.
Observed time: {"hour": 12, "minute": 14, "second": 44}
